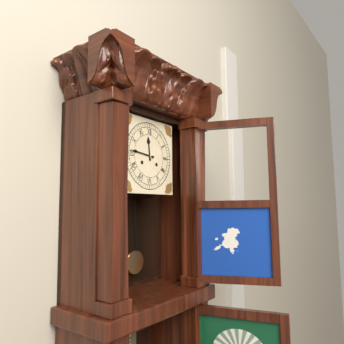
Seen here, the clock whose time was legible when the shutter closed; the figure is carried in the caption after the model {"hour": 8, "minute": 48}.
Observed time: {"hour": 11, "minute": 46}
